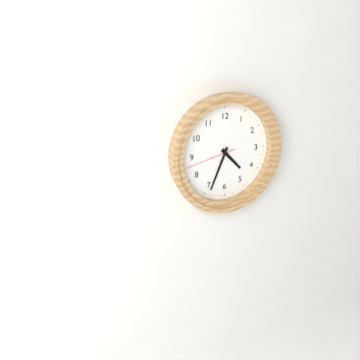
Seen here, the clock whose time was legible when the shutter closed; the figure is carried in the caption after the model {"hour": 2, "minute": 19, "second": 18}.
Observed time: {"hour": 4, "minute": 34, "second": 43}
